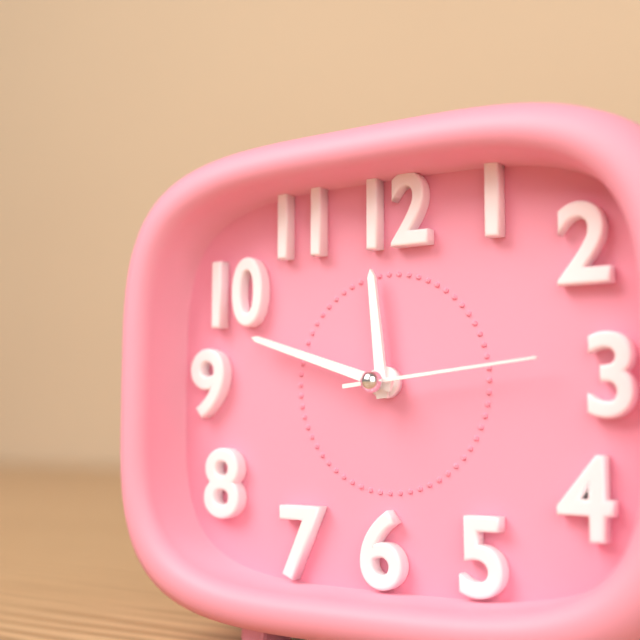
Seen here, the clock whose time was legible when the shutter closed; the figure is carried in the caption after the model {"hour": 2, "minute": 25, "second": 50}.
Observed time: {"hour": 11, "minute": 48, "second": 14}
